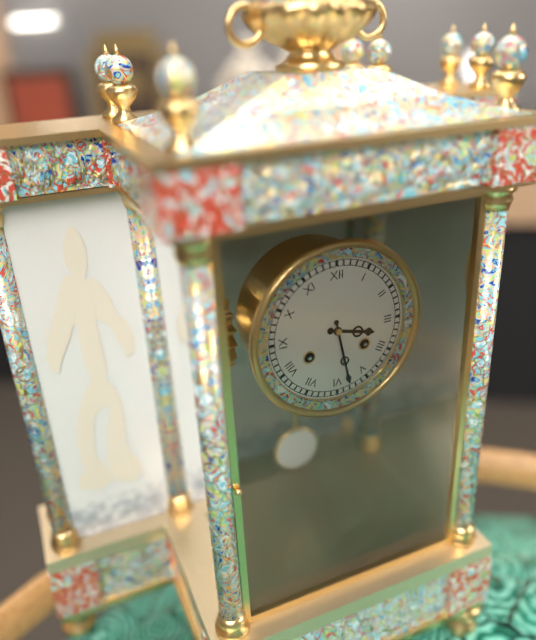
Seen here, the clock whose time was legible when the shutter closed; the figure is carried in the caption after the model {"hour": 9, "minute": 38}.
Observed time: {"hour": 3, "minute": 28}
